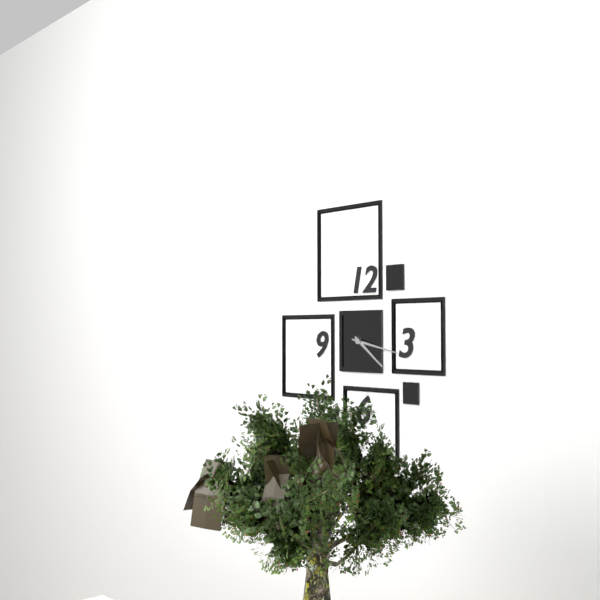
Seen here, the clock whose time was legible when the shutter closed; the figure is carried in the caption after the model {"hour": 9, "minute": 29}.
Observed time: {"hour": 4, "minute": 17}
